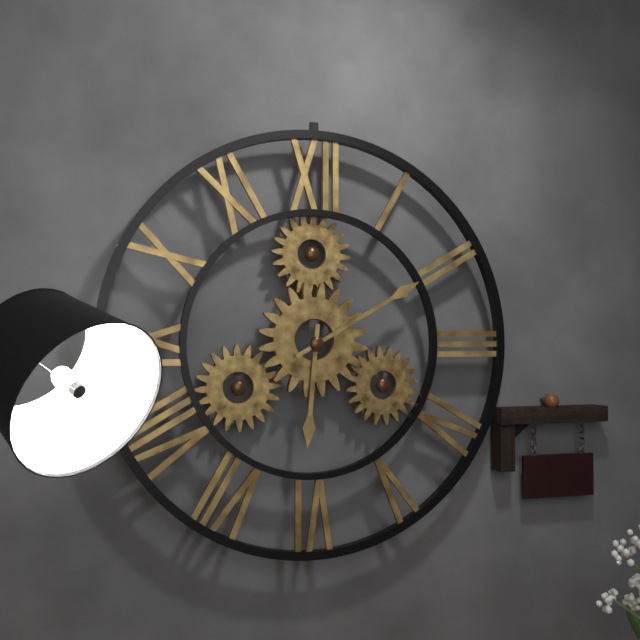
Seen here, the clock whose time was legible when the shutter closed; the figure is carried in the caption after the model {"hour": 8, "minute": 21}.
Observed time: {"hour": 6, "minute": 10}
